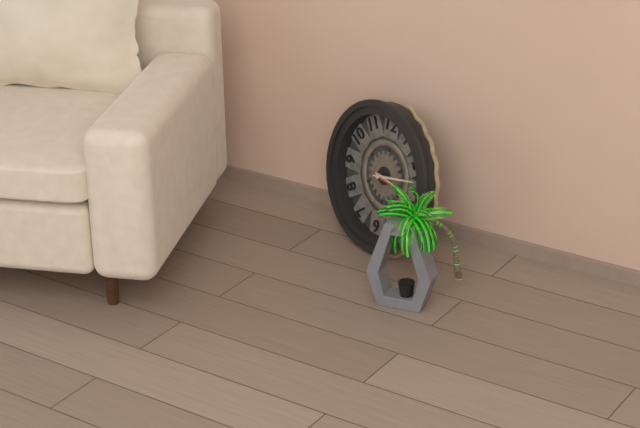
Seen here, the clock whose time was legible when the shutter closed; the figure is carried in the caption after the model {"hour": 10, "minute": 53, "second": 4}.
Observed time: {"hour": 3, "minute": 13, "second": 16}
